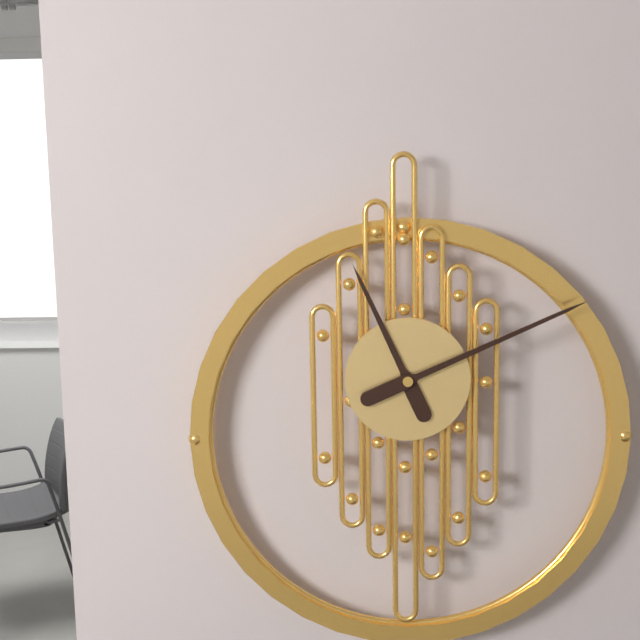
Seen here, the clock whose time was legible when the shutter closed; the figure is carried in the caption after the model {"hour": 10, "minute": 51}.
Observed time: {"hour": 11, "minute": 11}
